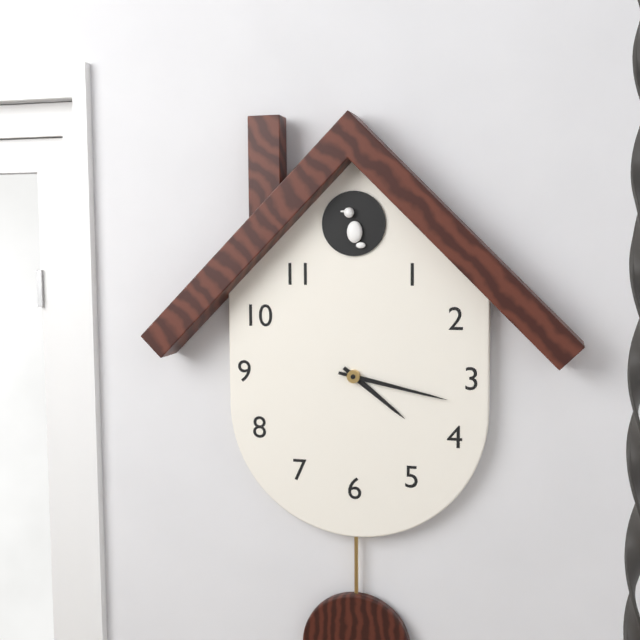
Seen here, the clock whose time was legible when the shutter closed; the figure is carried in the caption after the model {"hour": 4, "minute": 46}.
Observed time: {"hour": 4, "minute": 17}
